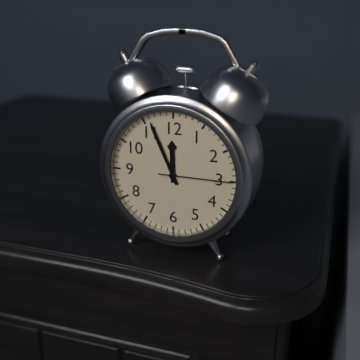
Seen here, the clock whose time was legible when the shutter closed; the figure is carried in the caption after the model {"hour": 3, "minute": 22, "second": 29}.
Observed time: {"hour": 11, "minute": 56, "second": 15}
